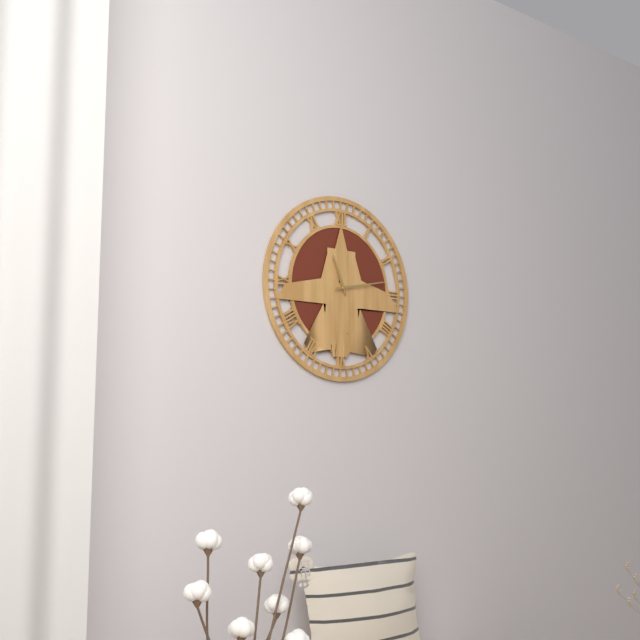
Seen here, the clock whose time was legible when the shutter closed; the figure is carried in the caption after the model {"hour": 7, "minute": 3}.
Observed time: {"hour": 11, "minute": 13}
